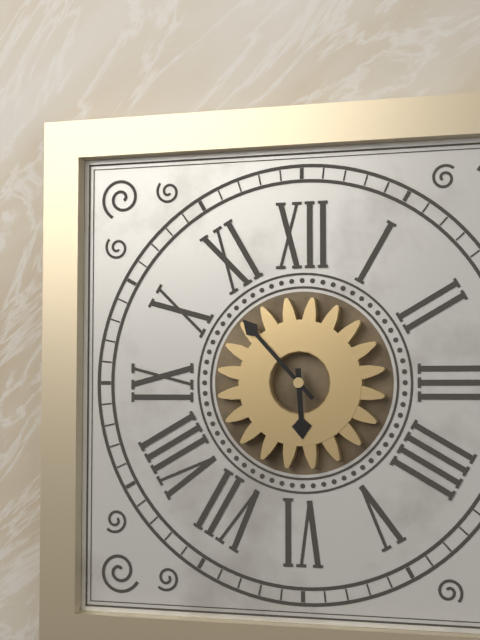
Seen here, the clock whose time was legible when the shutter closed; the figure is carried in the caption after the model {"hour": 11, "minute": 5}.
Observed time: {"hour": 5, "minute": 53}
